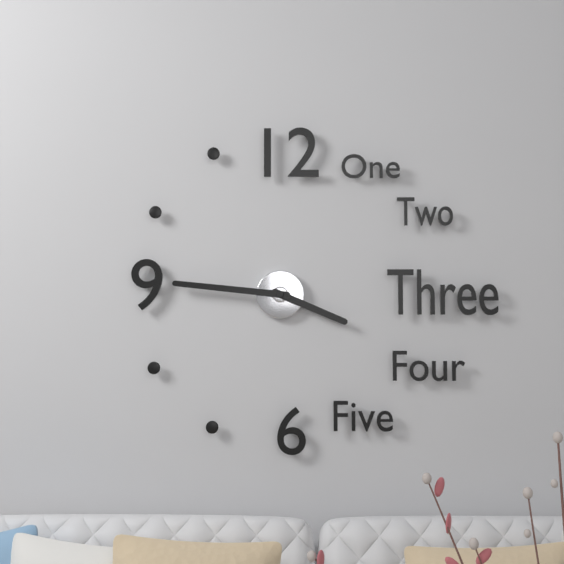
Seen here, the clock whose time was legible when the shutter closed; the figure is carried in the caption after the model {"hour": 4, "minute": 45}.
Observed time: {"hour": 3, "minute": 46}
